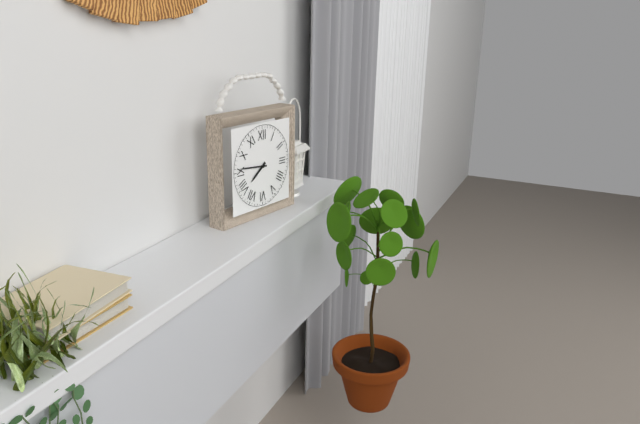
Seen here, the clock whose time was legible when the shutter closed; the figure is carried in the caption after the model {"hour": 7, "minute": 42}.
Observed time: {"hour": 7, "minute": 46}
